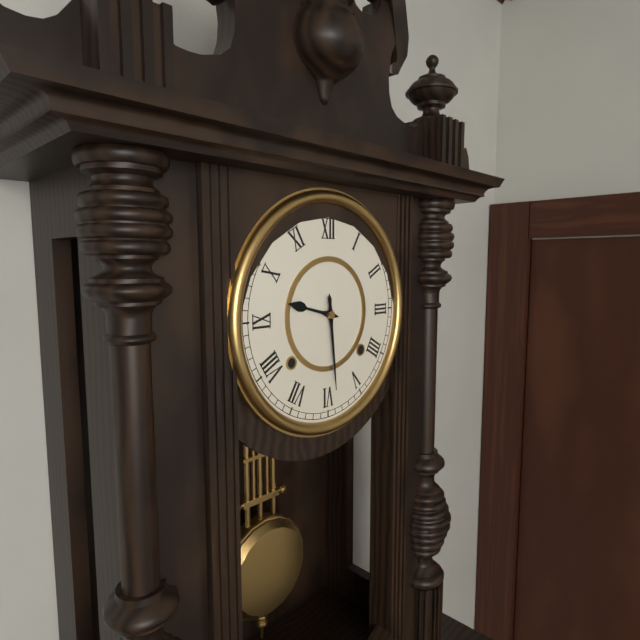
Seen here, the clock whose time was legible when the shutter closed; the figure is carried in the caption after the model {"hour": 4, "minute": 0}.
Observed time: {"hour": 9, "minute": 29}
